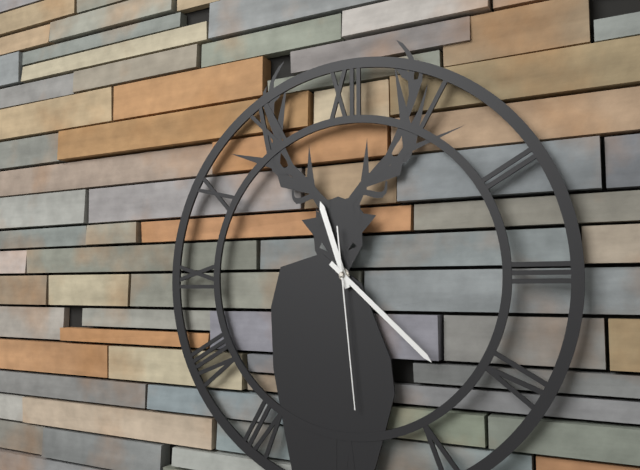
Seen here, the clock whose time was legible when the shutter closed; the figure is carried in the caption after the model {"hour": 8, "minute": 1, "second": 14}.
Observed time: {"hour": 11, "minute": 22, "second": 29}
